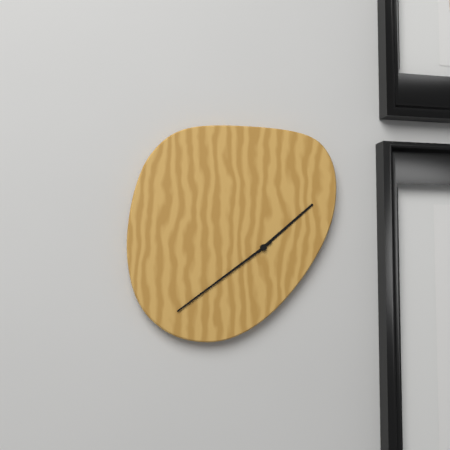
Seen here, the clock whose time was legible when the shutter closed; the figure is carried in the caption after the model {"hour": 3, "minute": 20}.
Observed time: {"hour": 1, "minute": 39}
